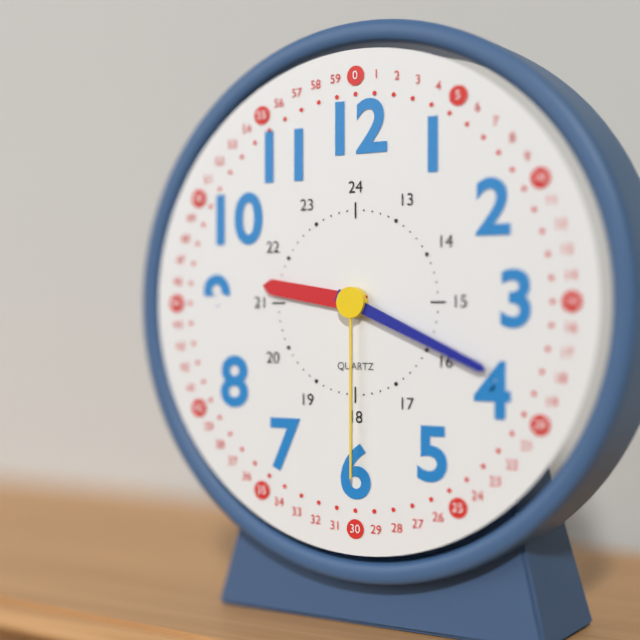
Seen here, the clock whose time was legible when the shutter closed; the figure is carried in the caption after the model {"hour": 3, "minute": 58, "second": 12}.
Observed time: {"hour": 9, "minute": 19, "second": 30}
